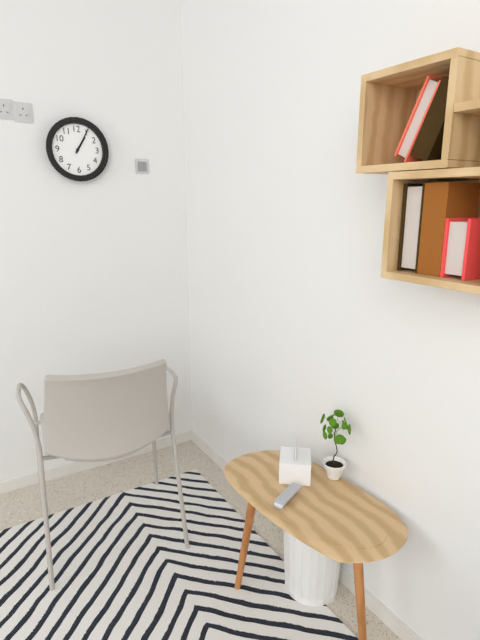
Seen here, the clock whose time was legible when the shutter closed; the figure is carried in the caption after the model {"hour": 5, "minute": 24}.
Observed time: {"hour": 1, "minute": 5}
